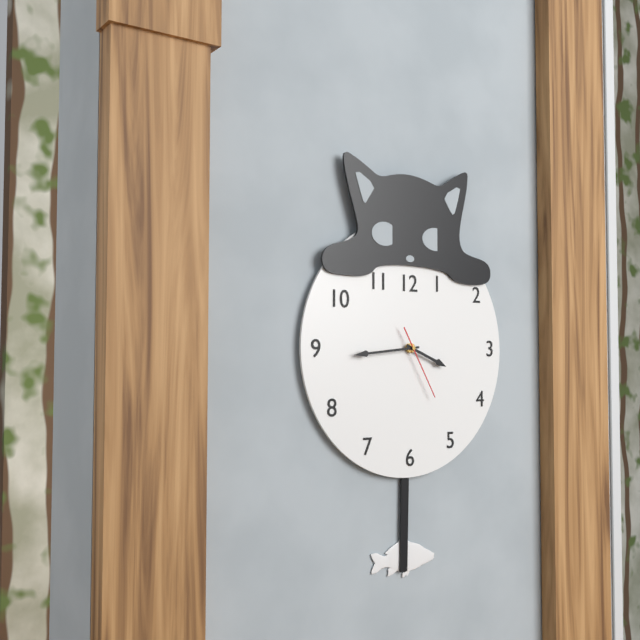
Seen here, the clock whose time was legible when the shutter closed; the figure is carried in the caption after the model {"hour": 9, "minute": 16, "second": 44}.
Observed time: {"hour": 3, "minute": 44, "second": 25}
